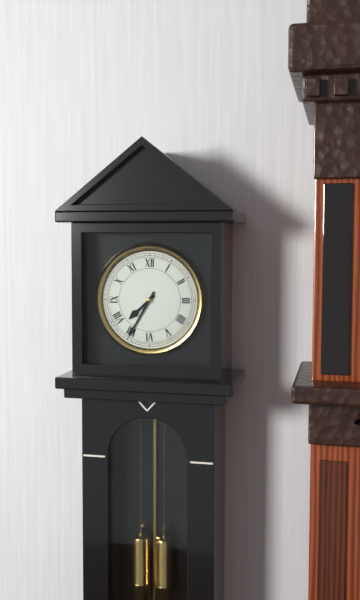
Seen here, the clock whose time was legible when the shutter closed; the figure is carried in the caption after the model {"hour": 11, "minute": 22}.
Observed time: {"hour": 7, "minute": 35}
